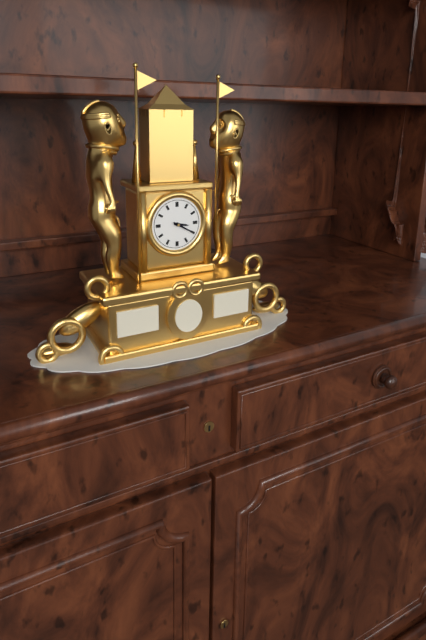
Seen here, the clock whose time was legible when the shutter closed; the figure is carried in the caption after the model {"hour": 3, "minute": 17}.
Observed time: {"hour": 3, "minute": 20}
